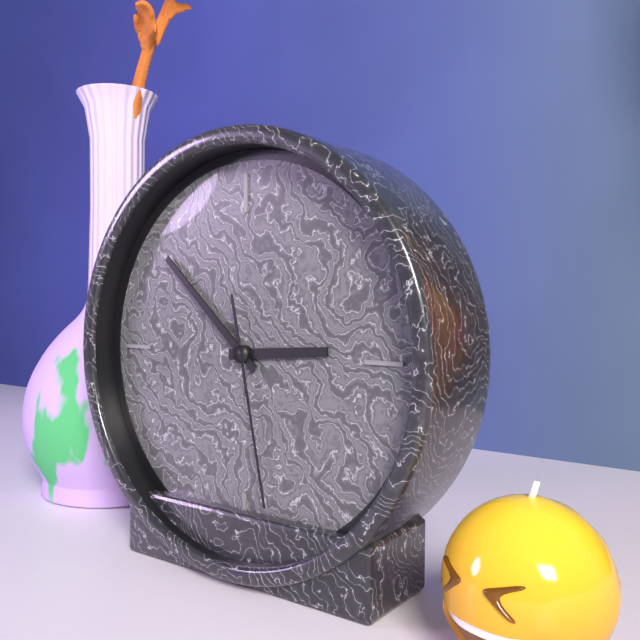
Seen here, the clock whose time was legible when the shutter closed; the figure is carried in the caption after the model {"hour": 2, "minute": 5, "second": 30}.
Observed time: {"hour": 2, "minute": 52, "second": 28}
